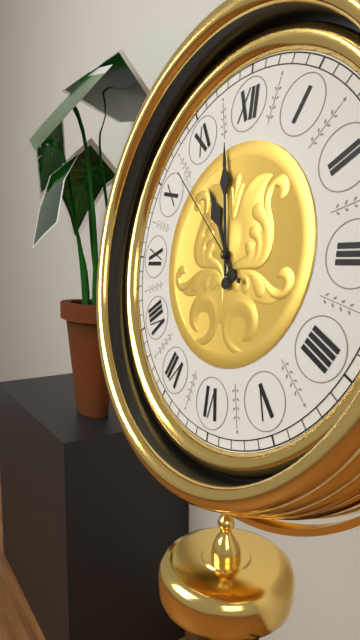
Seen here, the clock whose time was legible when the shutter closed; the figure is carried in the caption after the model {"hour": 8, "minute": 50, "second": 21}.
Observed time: {"hour": 10, "minute": 58, "second": 52}
